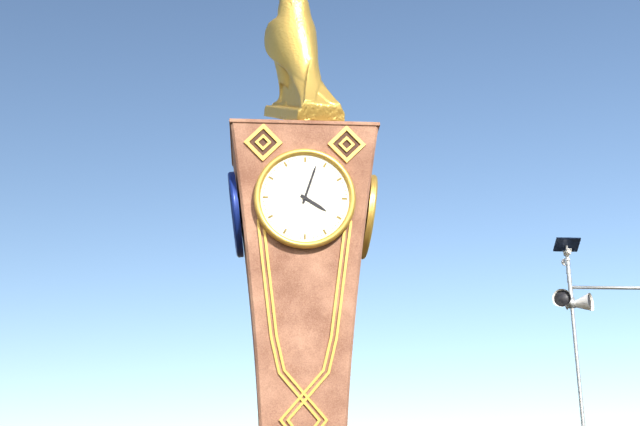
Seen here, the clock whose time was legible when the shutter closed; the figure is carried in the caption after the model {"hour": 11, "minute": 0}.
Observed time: {"hour": 4, "minute": 3}
